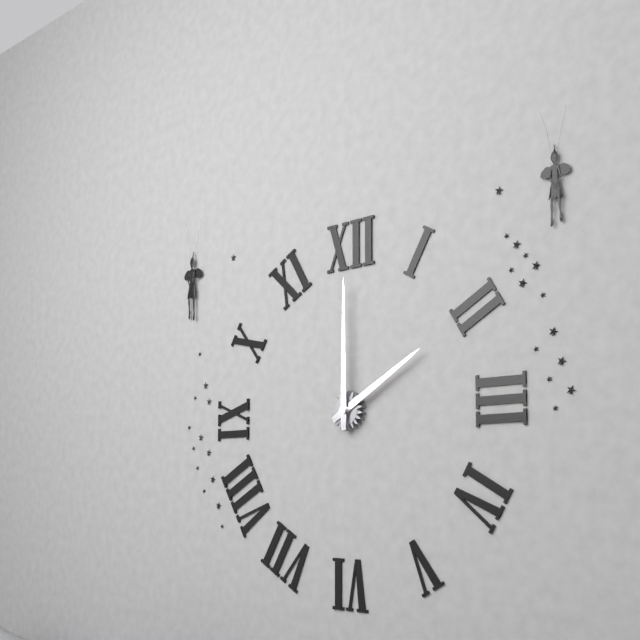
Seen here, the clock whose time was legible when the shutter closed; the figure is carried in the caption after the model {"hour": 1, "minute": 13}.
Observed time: {"hour": 2, "minute": 0}
